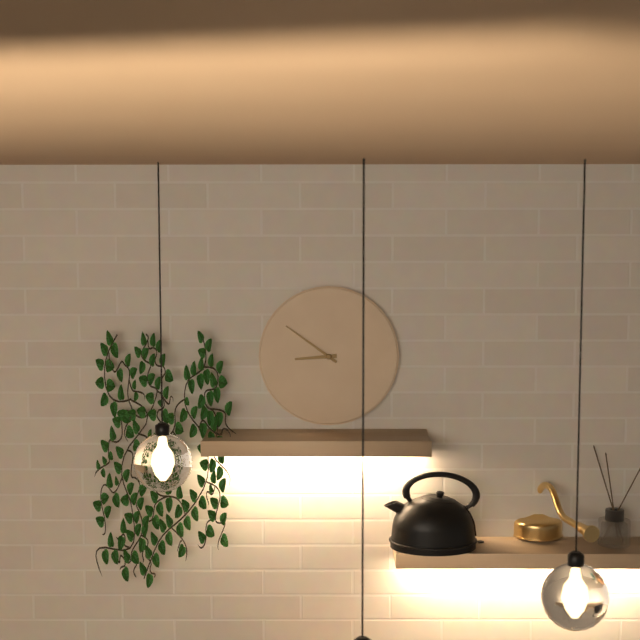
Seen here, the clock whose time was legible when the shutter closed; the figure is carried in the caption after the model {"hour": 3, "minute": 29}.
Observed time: {"hour": 8, "minute": 51}
